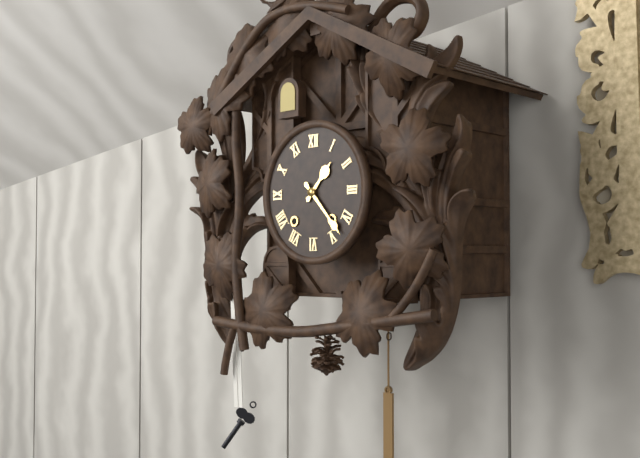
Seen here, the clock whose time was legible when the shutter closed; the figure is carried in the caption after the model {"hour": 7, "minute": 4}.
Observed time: {"hour": 1, "minute": 23}
